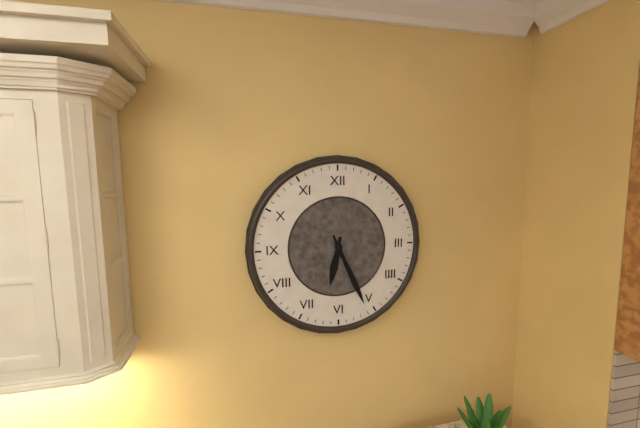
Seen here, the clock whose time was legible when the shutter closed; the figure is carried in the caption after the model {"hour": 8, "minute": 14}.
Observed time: {"hour": 6, "minute": 26}
